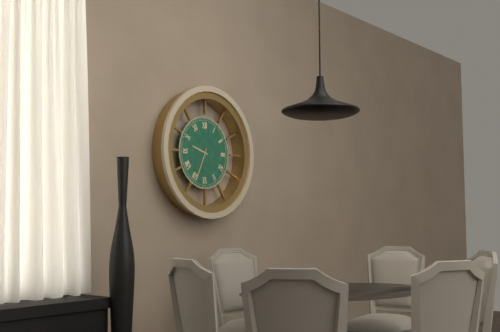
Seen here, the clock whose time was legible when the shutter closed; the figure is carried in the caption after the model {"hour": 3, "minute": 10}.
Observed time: {"hour": 9, "minute": 34}
